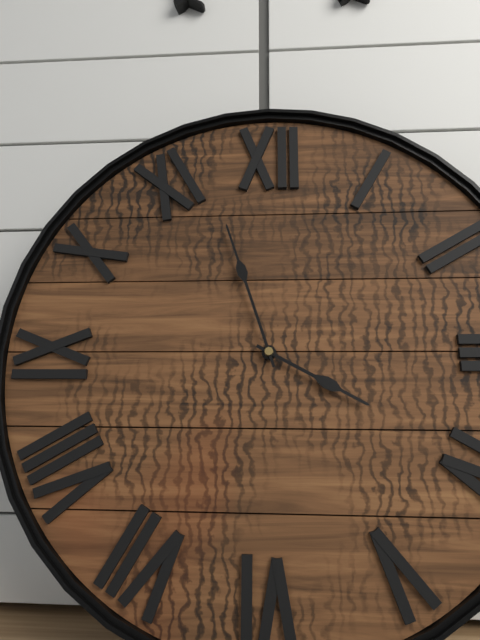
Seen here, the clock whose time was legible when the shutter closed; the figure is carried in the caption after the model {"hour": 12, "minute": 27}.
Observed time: {"hour": 3, "minute": 57}
